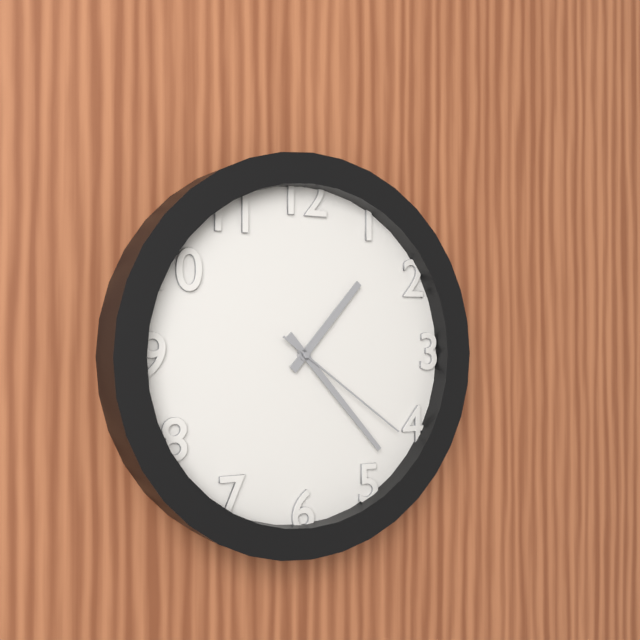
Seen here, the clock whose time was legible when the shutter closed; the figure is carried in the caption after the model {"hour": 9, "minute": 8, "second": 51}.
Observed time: {"hour": 1, "minute": 23, "second": 21}
